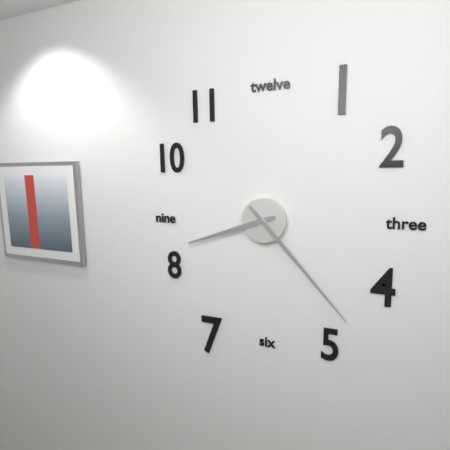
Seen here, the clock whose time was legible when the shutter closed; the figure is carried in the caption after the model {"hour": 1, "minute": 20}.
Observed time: {"hour": 8, "minute": 23}
